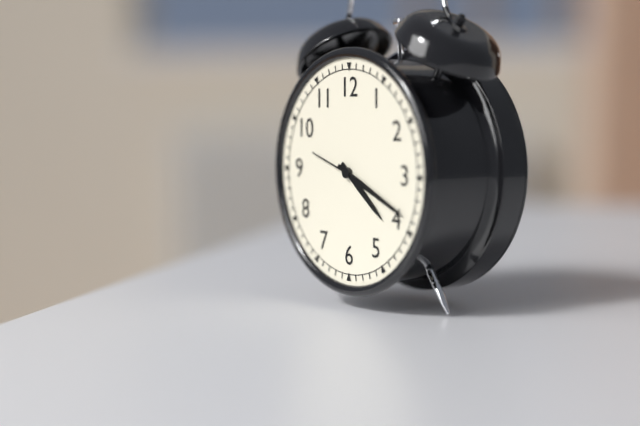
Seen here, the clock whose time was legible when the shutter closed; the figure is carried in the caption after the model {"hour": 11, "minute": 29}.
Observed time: {"hour": 4, "minute": 19}
